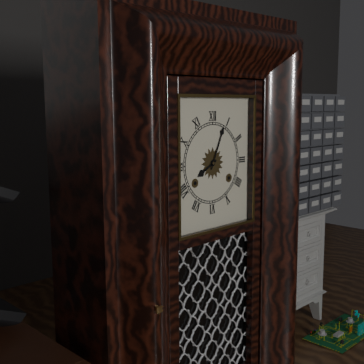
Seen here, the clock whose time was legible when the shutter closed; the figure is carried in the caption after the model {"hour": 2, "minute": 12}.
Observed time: {"hour": 8, "minute": 4}
